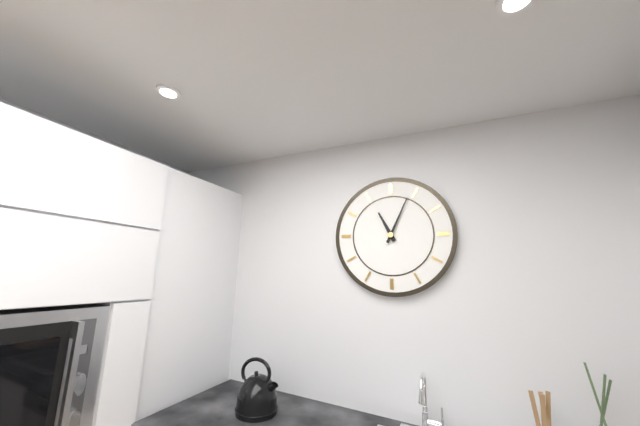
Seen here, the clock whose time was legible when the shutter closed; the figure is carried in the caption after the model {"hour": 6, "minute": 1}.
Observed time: {"hour": 11, "minute": 4}
